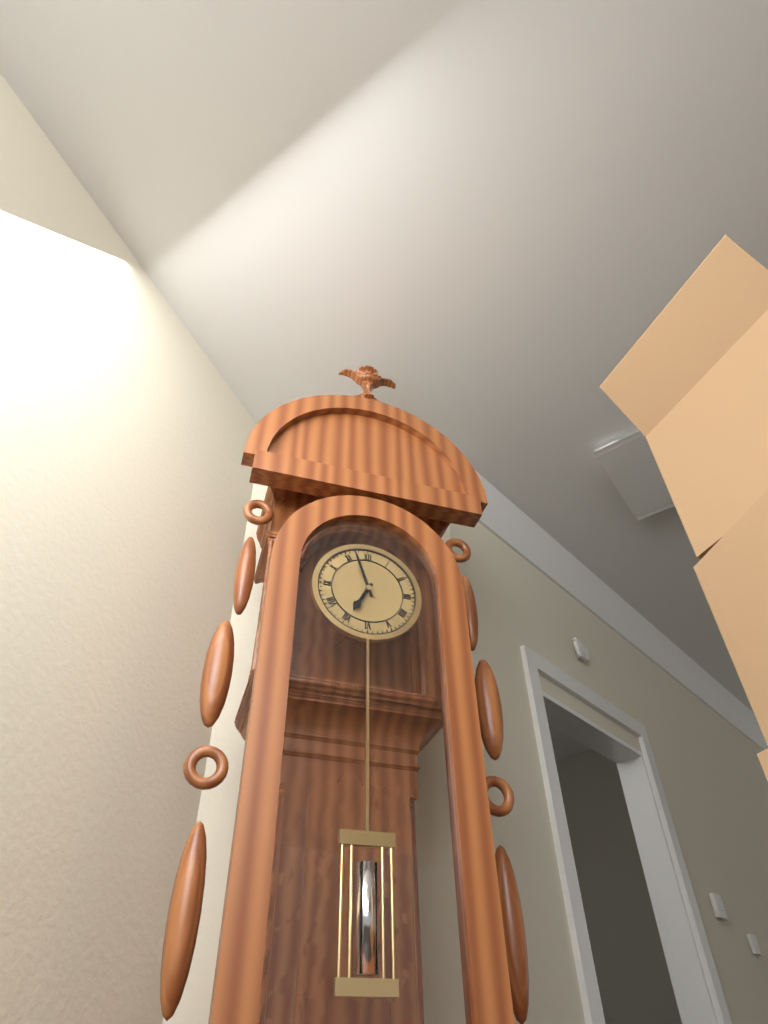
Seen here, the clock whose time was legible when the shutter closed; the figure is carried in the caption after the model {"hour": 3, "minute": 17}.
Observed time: {"hour": 6, "minute": 57}
